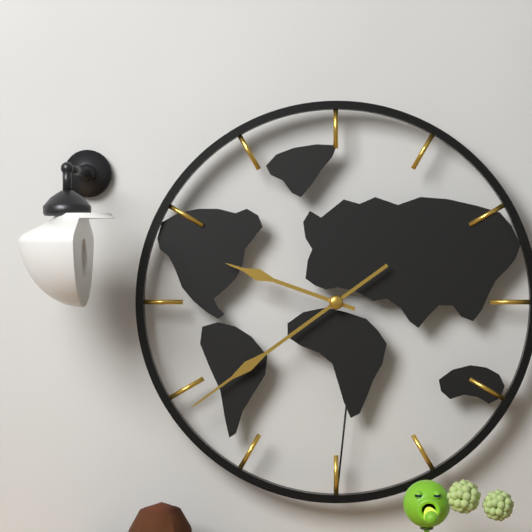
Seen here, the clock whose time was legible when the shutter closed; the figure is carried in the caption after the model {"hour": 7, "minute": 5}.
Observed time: {"hour": 9, "minute": 39}
